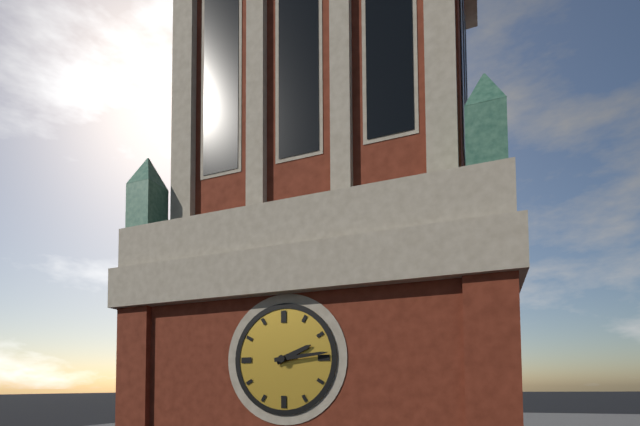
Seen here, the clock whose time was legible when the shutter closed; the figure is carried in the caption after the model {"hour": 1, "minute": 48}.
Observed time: {"hour": 2, "minute": 14}
